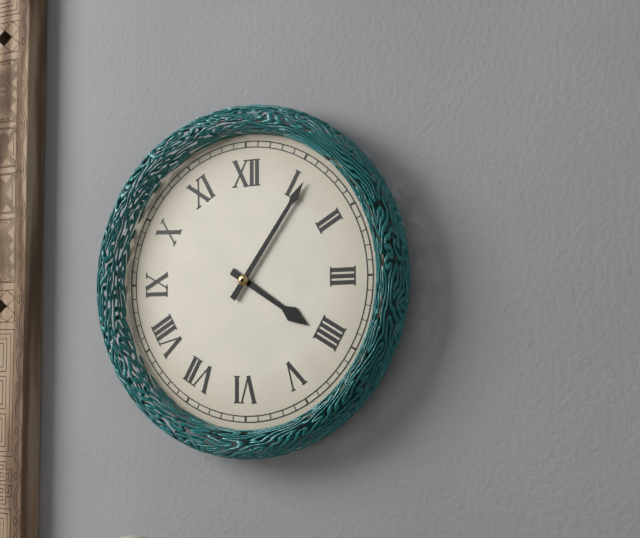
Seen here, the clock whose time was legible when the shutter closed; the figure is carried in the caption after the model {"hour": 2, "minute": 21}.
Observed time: {"hour": 4, "minute": 6}
